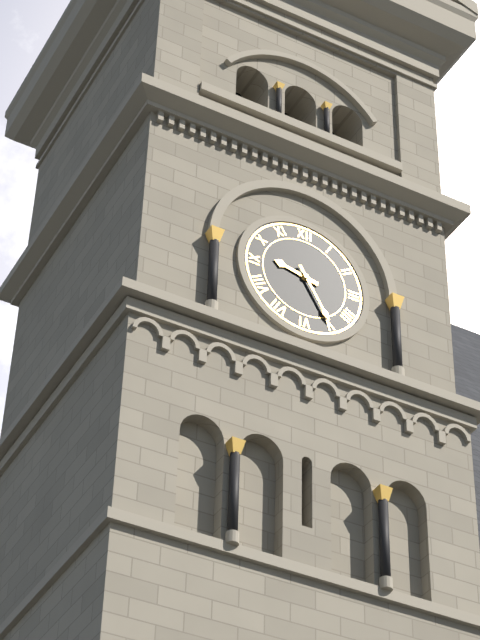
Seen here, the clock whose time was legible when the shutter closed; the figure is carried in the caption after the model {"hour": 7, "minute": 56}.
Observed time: {"hour": 9, "minute": 25}
